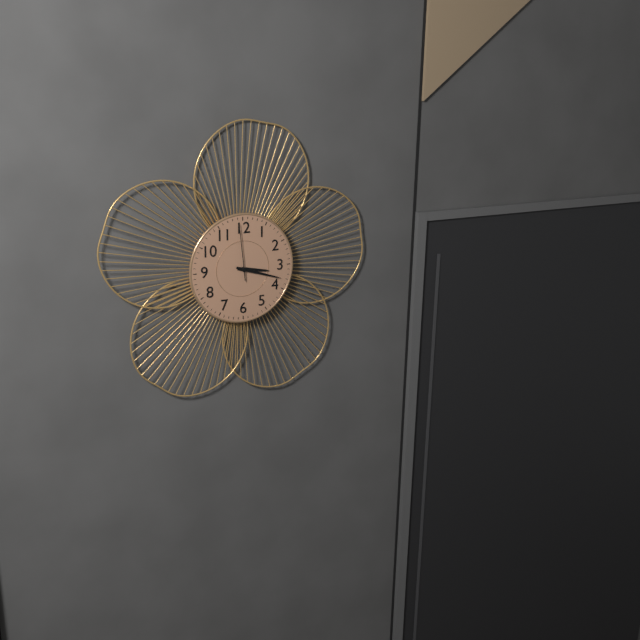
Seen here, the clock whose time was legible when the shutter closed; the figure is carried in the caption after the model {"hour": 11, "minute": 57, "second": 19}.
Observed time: {"hour": 3, "minute": 18, "second": 59}
